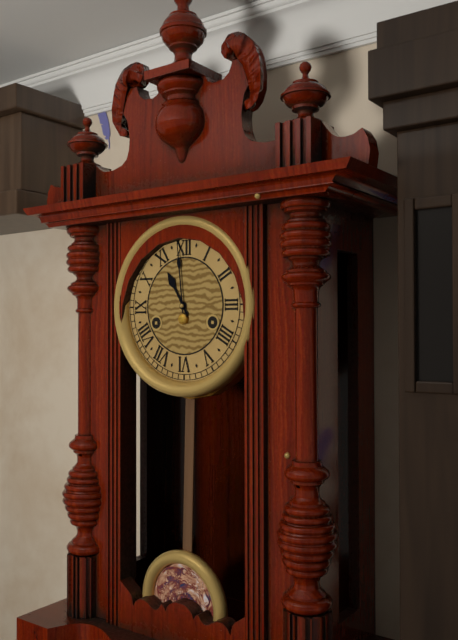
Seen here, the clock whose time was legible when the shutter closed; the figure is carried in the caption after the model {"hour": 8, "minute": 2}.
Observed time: {"hour": 10, "minute": 59}
